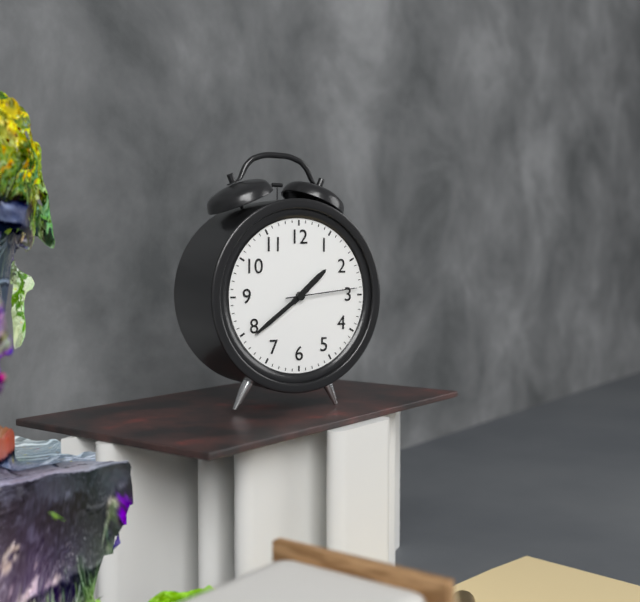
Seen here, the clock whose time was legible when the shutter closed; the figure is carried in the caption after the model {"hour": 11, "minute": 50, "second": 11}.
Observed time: {"hour": 1, "minute": 39, "second": 14}
